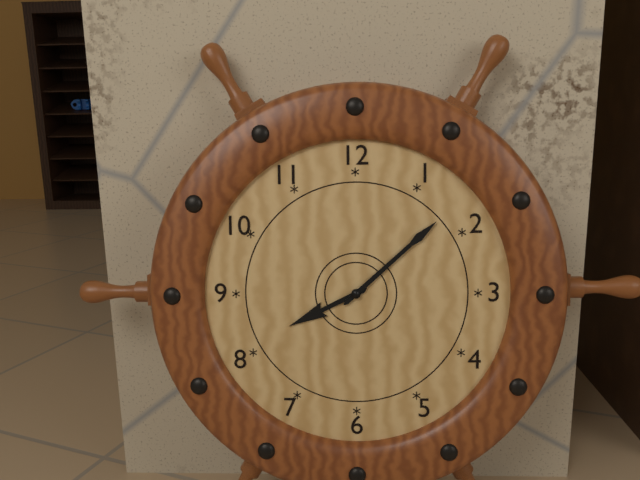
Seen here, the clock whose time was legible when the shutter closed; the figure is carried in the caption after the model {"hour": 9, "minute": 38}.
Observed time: {"hour": 8, "minute": 8}
